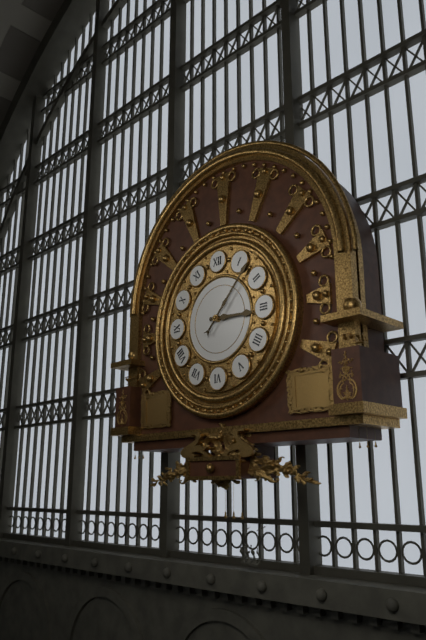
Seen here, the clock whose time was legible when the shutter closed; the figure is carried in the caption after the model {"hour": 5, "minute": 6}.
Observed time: {"hour": 3, "minute": 7}
